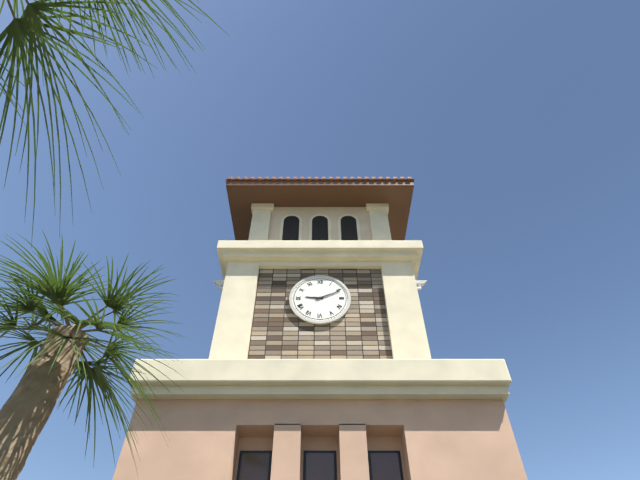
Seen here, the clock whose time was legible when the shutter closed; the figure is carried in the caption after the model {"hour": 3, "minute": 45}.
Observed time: {"hour": 9, "minute": 11}
